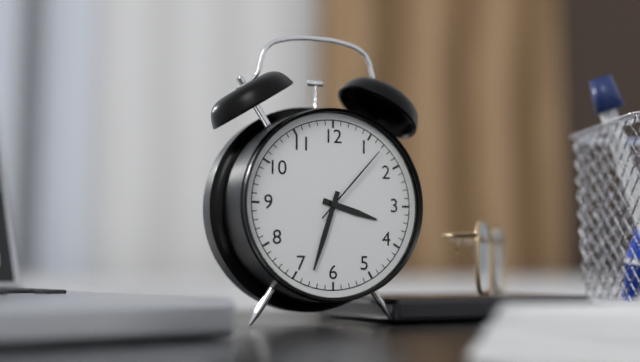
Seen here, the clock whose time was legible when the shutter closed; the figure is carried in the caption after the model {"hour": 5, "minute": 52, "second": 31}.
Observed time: {"hour": 3, "minute": 33, "second": 7}
